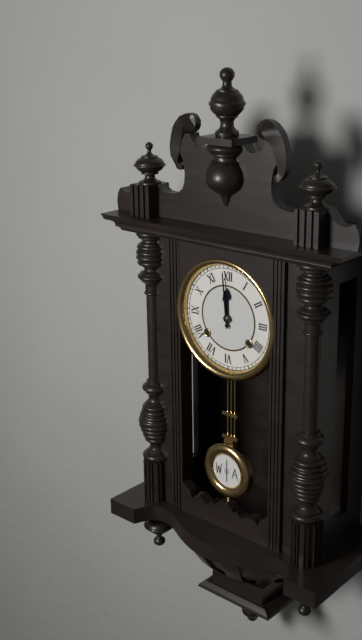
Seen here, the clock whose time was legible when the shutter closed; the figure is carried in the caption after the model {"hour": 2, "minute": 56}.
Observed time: {"hour": 11, "minute": 59}
